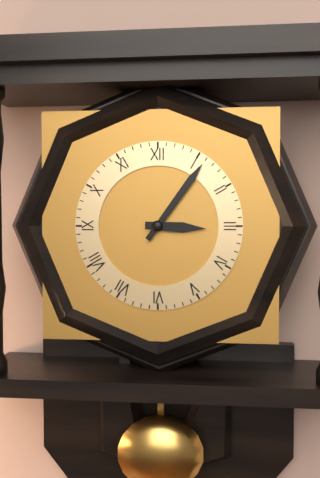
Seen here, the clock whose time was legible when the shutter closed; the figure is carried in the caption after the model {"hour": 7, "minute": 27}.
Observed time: {"hour": 3, "minute": 6}
